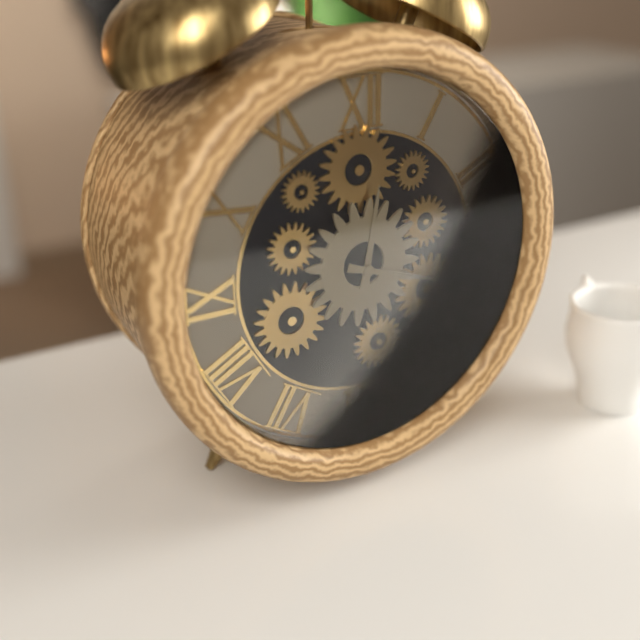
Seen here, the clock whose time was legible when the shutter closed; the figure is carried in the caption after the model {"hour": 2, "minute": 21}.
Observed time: {"hour": 12, "minute": 18}
